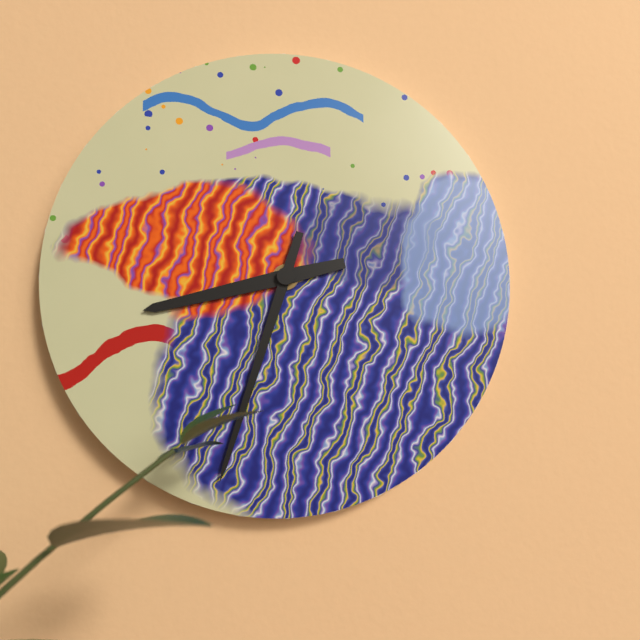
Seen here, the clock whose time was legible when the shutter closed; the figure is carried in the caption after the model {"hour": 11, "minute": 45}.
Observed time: {"hour": 8, "minute": 33}
